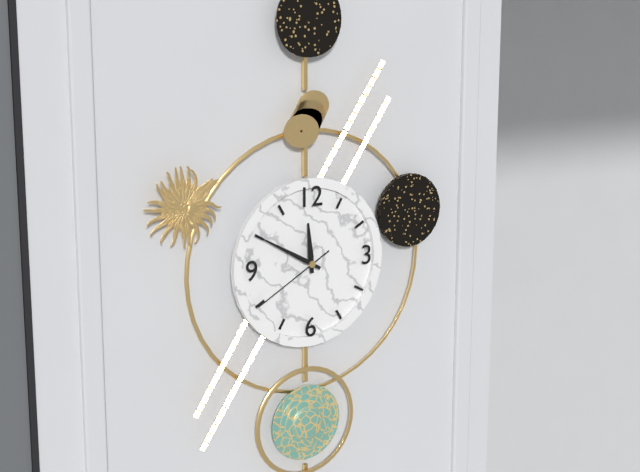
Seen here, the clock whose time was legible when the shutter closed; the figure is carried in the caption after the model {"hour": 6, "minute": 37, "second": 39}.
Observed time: {"hour": 11, "minute": 50, "second": 40}
